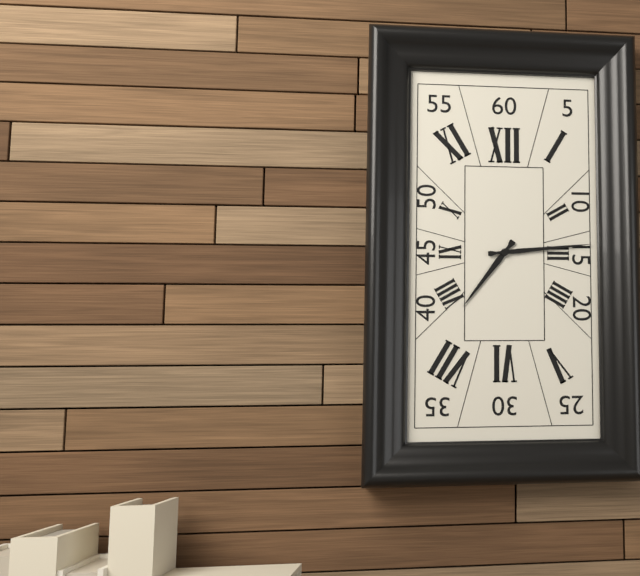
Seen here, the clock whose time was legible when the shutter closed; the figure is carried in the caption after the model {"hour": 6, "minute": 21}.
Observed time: {"hour": 7, "minute": 14}
